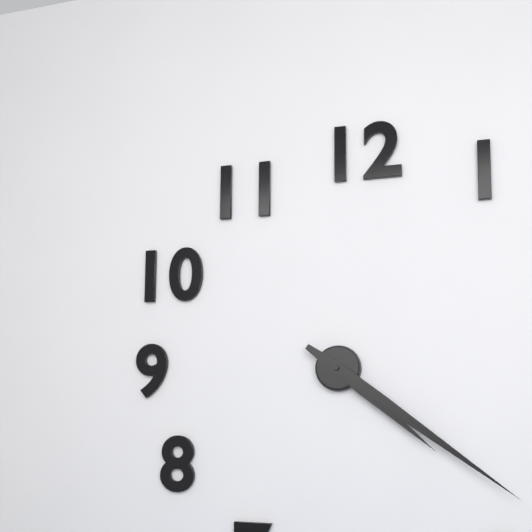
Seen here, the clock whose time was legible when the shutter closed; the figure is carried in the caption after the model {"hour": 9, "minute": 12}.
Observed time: {"hour": 4, "minute": 21}
